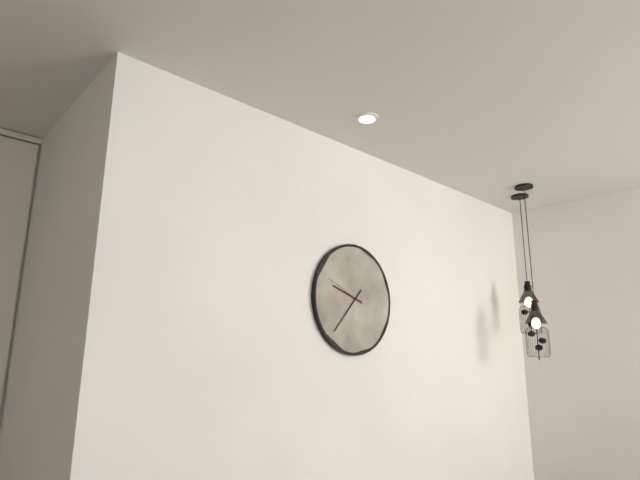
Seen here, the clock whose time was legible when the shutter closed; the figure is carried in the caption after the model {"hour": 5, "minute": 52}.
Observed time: {"hour": 9, "minute": 37}
